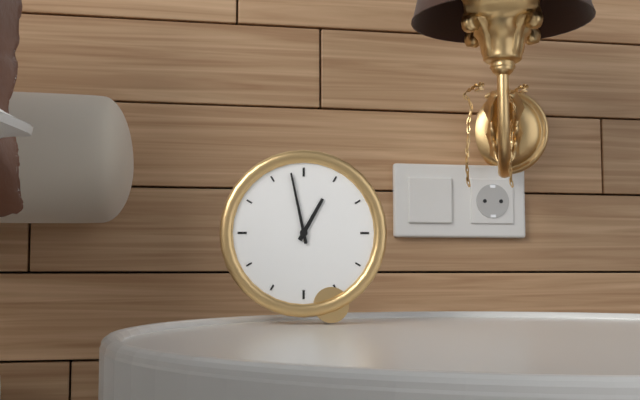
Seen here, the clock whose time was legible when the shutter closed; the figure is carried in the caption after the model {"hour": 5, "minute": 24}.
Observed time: {"hour": 12, "minute": 58}
